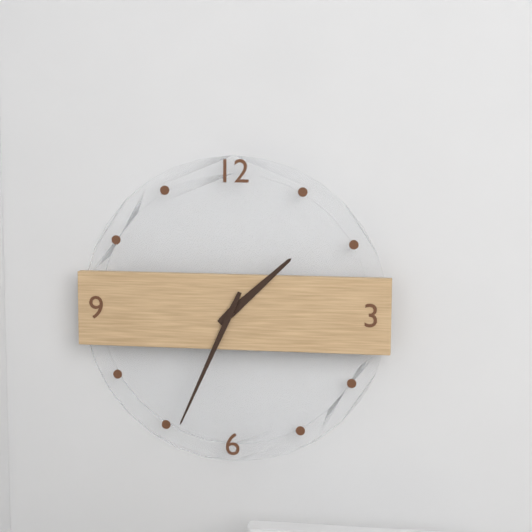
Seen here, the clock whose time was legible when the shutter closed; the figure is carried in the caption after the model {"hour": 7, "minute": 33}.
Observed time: {"hour": 1, "minute": 34}
